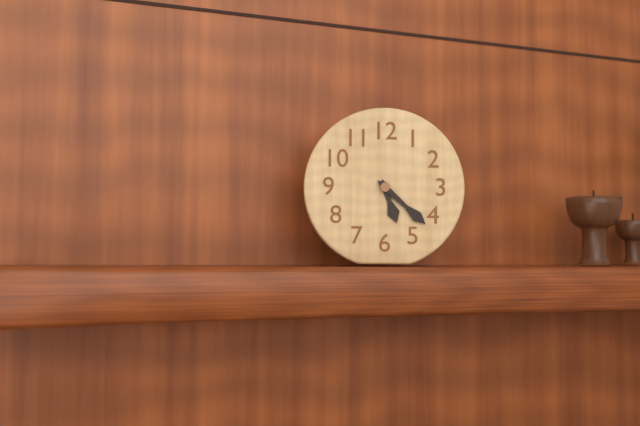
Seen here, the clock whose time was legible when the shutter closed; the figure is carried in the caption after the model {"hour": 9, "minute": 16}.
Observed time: {"hour": 5, "minute": 22}
